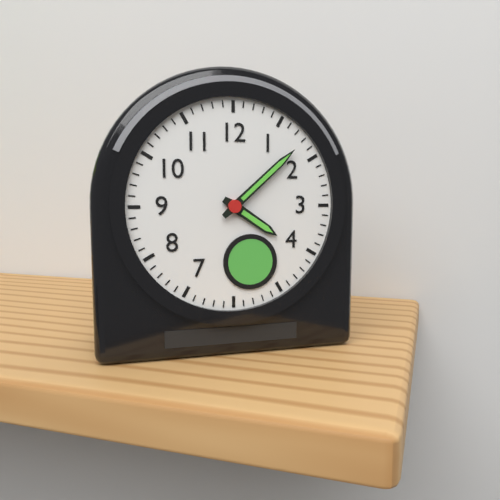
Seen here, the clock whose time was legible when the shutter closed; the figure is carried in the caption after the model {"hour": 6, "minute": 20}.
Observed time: {"hour": 4, "minute": 8}
